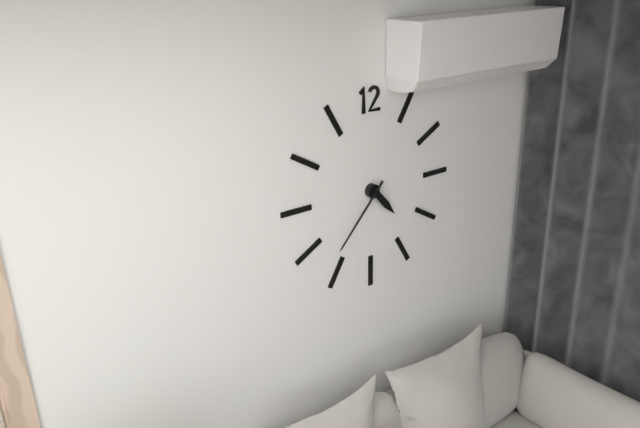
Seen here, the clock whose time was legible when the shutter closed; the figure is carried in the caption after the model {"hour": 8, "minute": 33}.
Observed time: {"hour": 4, "minute": 37}
